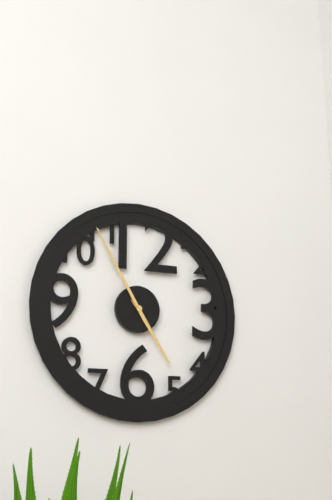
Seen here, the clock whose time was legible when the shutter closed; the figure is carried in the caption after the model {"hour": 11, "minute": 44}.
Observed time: {"hour": 4, "minute": 55}
